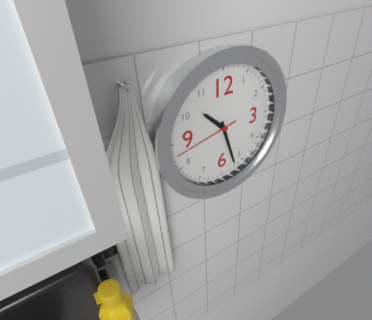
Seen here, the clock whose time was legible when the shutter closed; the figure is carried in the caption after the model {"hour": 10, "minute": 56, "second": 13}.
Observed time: {"hour": 10, "minute": 27, "second": 43}
